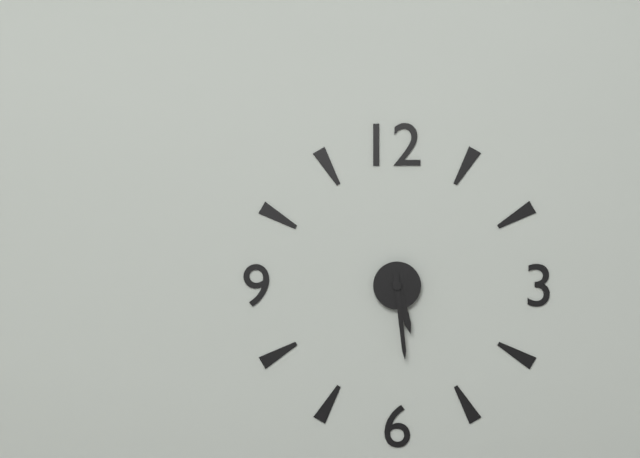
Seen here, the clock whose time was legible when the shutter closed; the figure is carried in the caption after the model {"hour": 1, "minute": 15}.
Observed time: {"hour": 5, "minute": 29}
